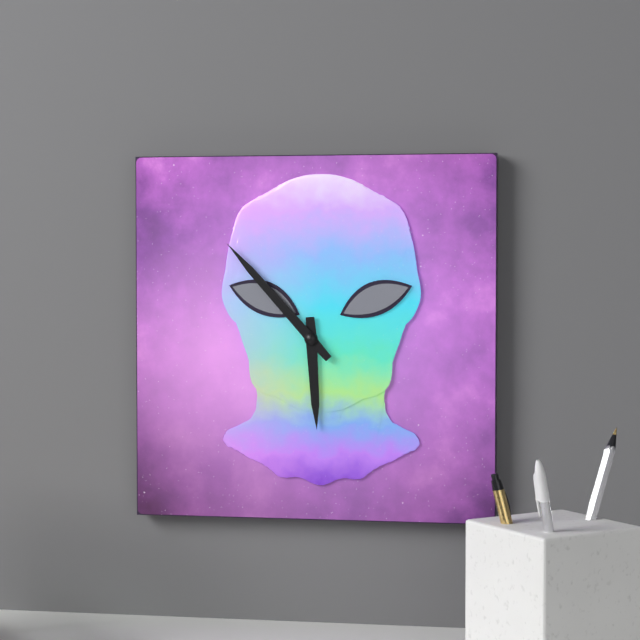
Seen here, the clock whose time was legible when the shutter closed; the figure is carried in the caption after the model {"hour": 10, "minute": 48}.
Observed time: {"hour": 5, "minute": 53}
